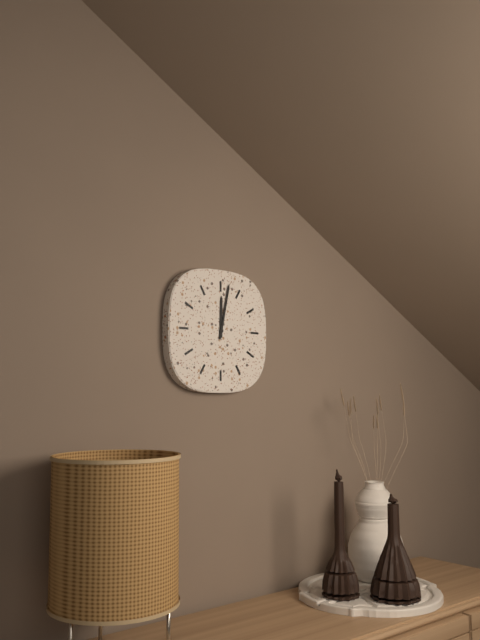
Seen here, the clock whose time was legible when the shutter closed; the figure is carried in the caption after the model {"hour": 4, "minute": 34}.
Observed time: {"hour": 12, "minute": 2}
